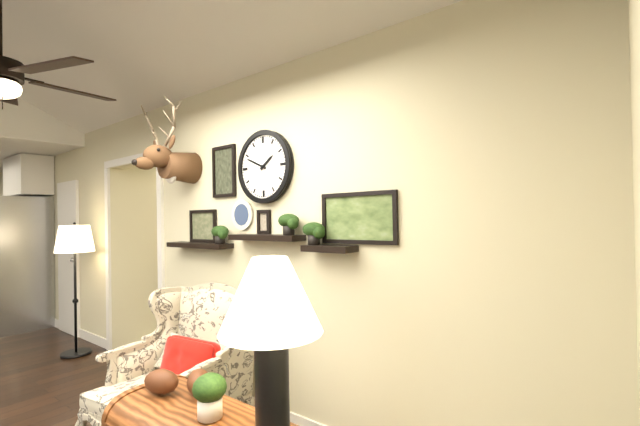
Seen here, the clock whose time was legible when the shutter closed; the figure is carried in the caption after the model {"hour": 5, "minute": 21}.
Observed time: {"hour": 1, "minute": 49}
